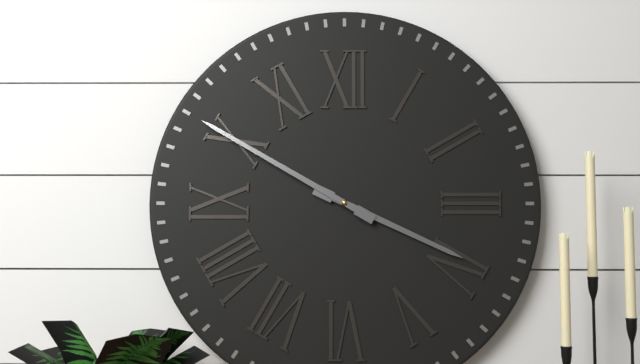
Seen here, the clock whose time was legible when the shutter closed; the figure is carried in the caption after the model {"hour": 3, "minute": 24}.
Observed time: {"hour": 3, "minute": 50}
